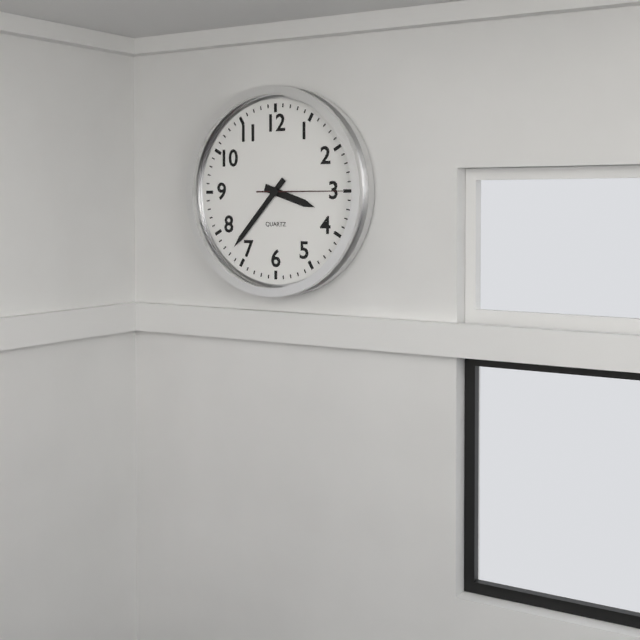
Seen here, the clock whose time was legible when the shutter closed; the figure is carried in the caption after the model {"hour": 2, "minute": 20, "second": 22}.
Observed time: {"hour": 3, "minute": 37, "second": 15}
